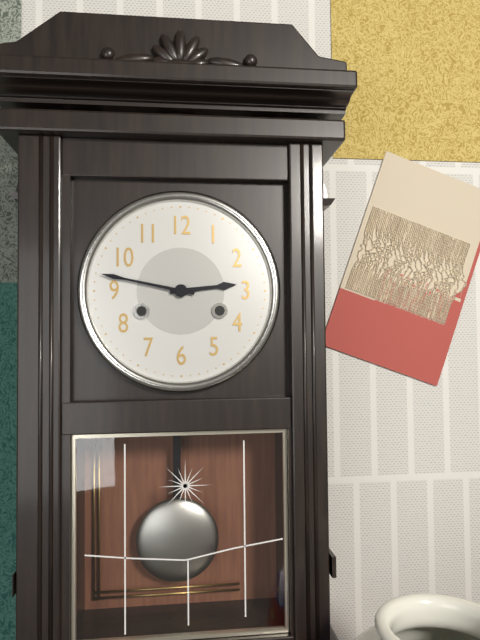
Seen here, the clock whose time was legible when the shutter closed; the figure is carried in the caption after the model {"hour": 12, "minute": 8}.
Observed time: {"hour": 2, "minute": 47}
